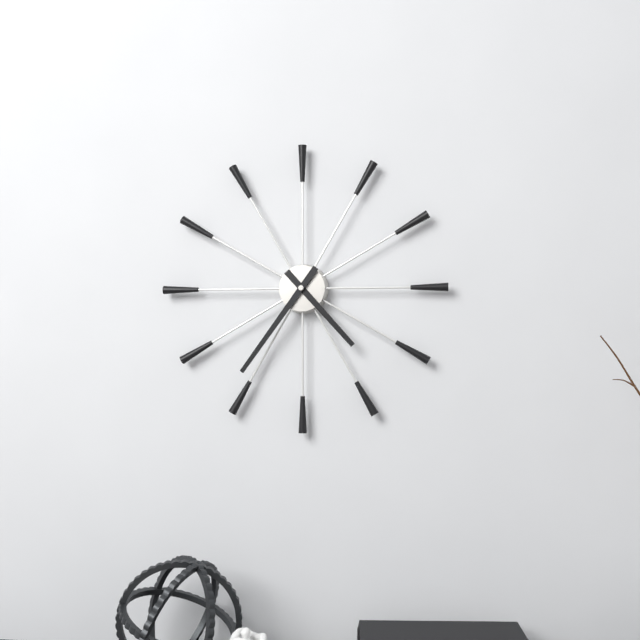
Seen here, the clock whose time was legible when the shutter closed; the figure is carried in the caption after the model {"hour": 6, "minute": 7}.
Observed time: {"hour": 4, "minute": 36}
